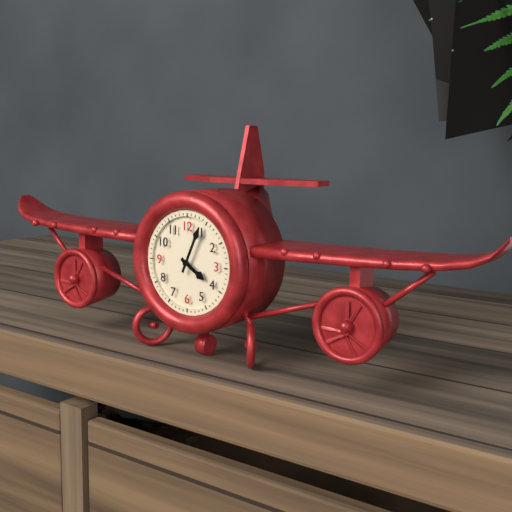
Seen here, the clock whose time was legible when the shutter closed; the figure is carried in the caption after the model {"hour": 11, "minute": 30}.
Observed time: {"hour": 4, "minute": 4}
